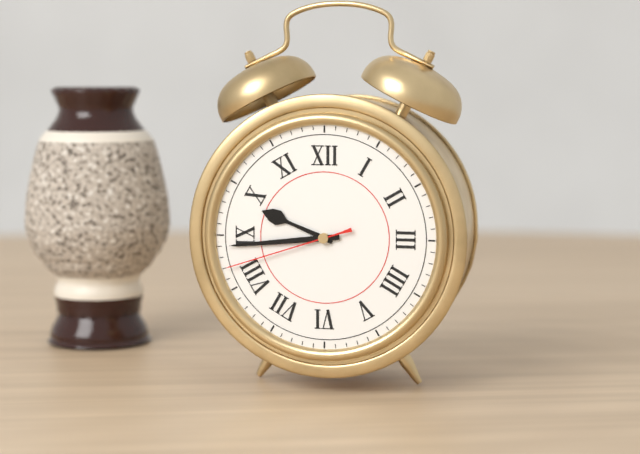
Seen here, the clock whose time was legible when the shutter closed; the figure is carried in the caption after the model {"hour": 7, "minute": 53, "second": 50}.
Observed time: {"hour": 9, "minute": 44, "second": 42}
